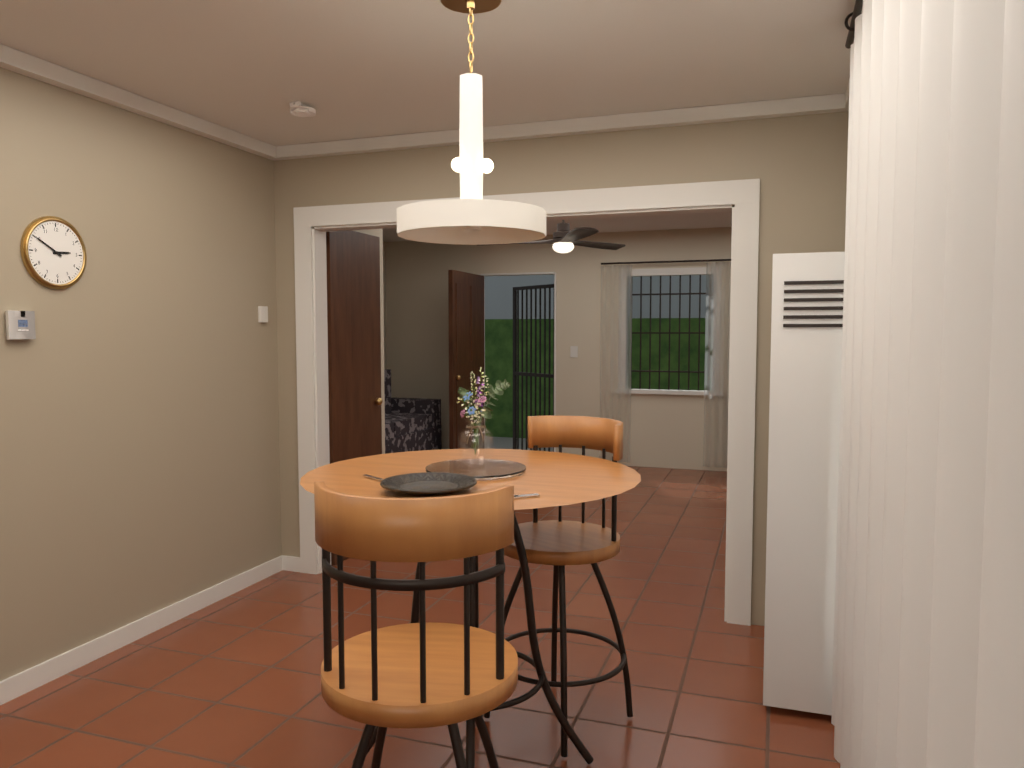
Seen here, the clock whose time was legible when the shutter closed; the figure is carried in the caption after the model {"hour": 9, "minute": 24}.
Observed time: {"hour": 2, "minute": 50}
